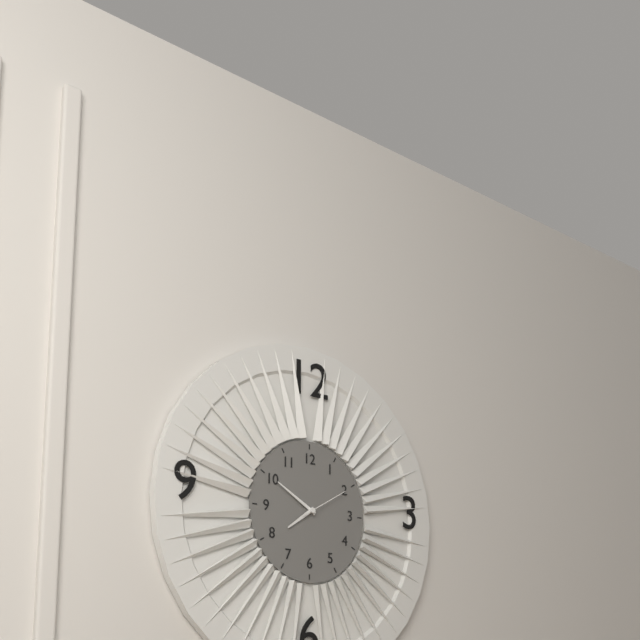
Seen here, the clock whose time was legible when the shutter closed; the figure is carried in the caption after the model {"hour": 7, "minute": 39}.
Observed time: {"hour": 7, "minute": 50}
